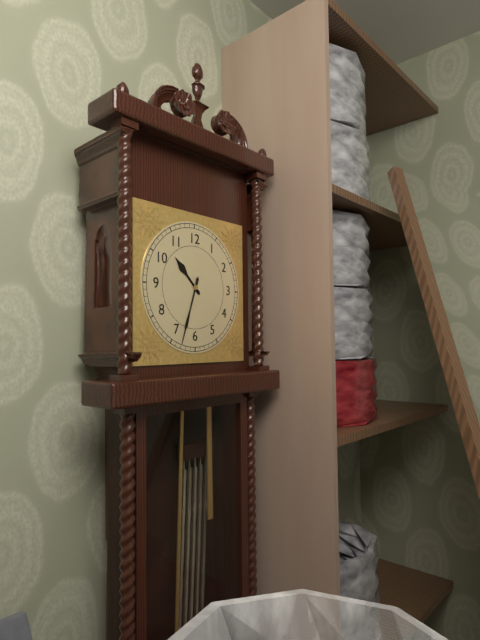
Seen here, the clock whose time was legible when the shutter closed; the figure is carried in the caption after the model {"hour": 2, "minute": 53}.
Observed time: {"hour": 10, "minute": 33}
